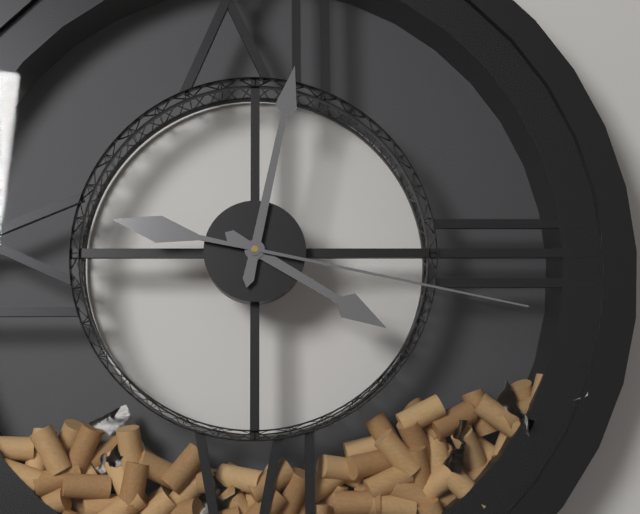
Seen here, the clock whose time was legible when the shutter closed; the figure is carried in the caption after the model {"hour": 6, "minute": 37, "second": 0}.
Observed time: {"hour": 4, "minute": 2, "second": 17}
